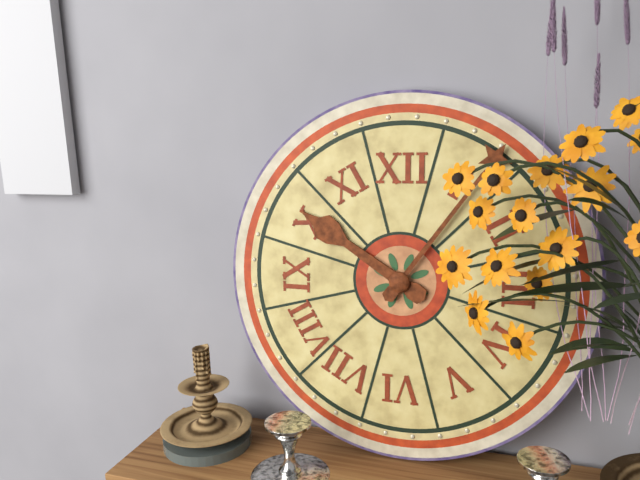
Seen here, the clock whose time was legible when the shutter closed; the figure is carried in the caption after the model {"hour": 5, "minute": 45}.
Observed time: {"hour": 10, "minute": 6}
